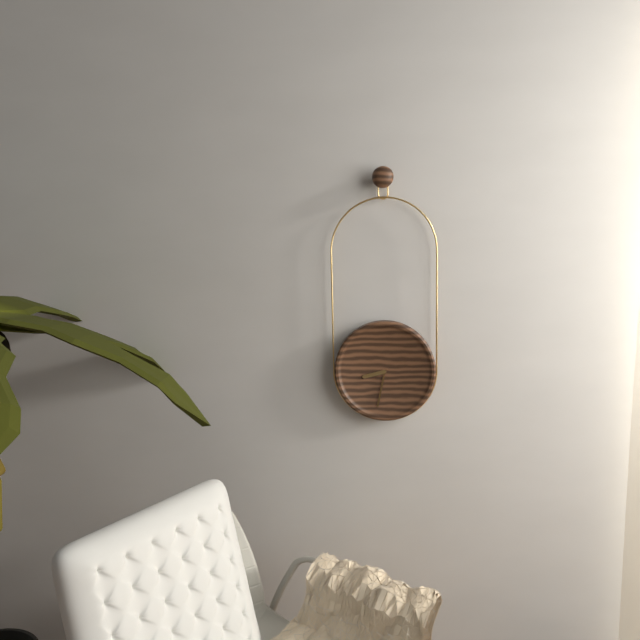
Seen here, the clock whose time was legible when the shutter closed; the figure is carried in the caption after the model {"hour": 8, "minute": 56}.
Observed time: {"hour": 8, "minute": 32}
